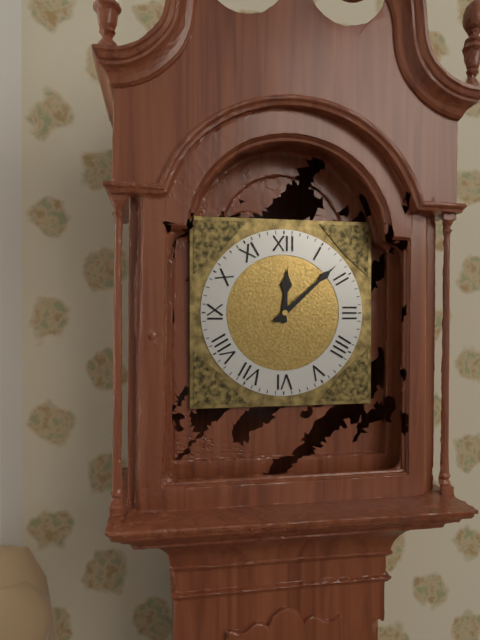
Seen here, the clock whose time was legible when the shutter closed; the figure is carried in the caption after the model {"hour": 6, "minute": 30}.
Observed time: {"hour": 12, "minute": 8}
